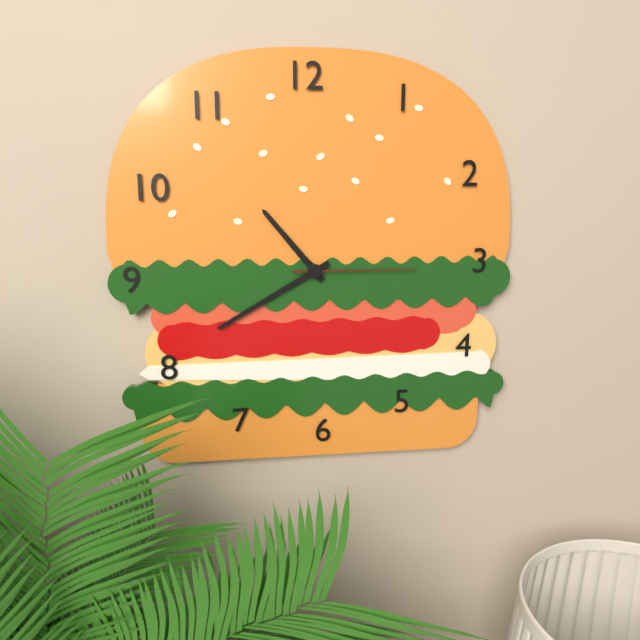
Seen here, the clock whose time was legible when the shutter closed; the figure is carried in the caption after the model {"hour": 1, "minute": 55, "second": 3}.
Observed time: {"hour": 10, "minute": 40, "second": 15}
